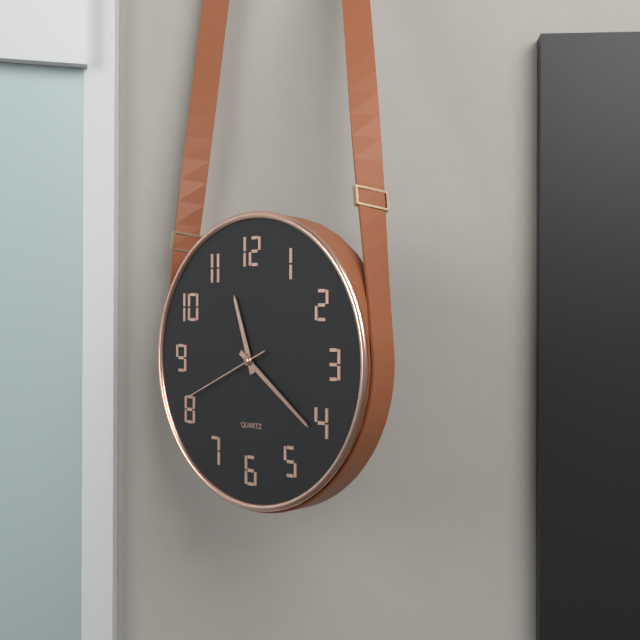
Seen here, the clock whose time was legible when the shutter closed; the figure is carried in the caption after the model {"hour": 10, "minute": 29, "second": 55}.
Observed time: {"hour": 11, "minute": 21, "second": 41}
